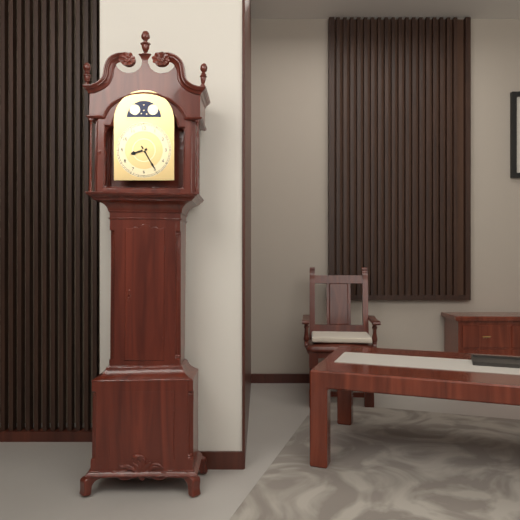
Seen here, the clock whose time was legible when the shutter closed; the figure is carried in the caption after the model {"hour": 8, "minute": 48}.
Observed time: {"hour": 8, "minute": 25}
